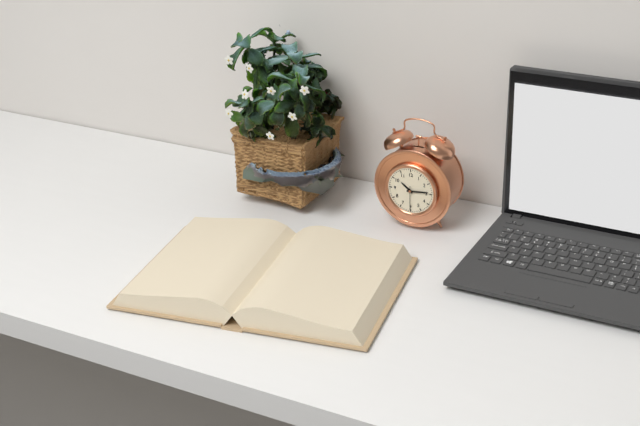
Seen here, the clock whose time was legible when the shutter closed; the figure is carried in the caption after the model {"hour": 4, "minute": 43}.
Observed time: {"hour": 10, "minute": 14}
